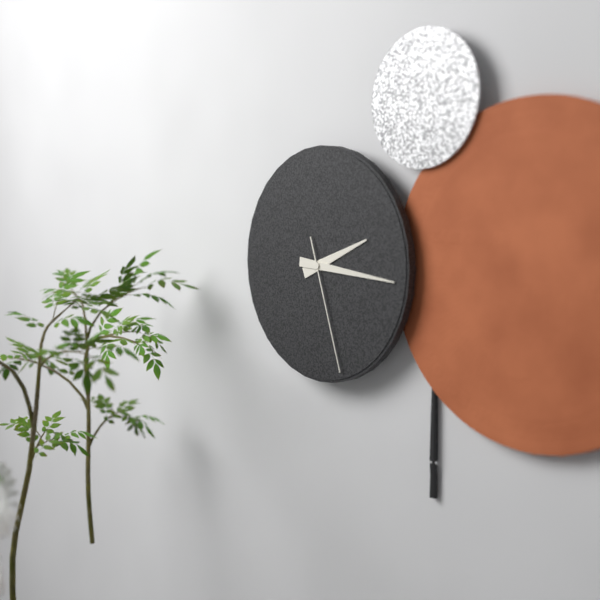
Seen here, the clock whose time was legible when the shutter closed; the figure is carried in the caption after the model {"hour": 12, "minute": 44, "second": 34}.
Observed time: {"hour": 2, "minute": 16, "second": 27}
